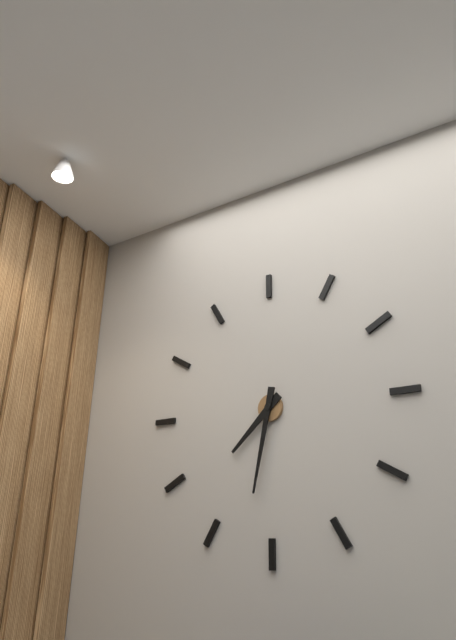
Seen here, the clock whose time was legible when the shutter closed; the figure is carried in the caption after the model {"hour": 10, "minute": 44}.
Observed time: {"hour": 7, "minute": 32}
